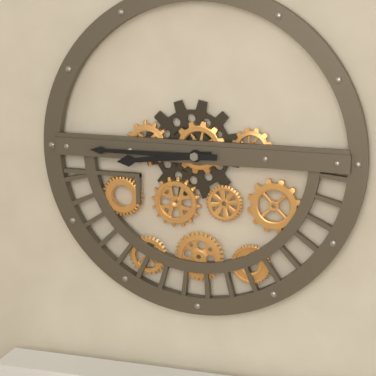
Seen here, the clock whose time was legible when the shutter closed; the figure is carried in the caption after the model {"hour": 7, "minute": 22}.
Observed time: {"hour": 8, "minute": 45}
